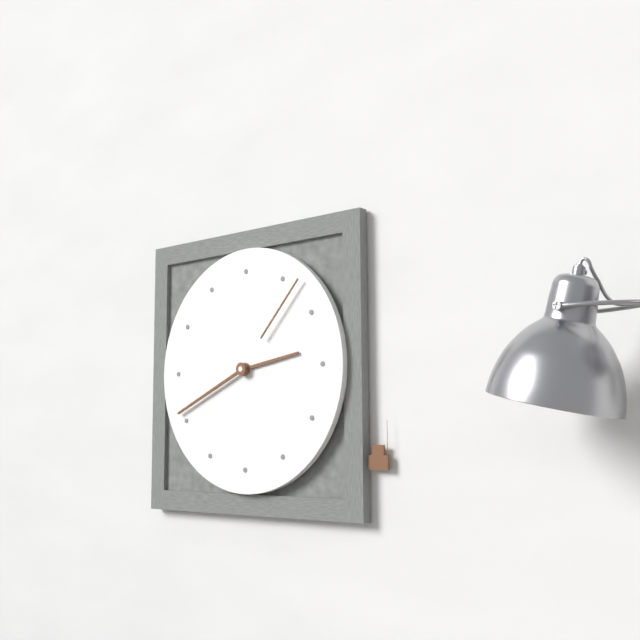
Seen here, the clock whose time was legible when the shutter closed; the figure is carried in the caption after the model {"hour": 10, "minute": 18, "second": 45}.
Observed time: {"hour": 2, "minute": 41, "second": 7}
